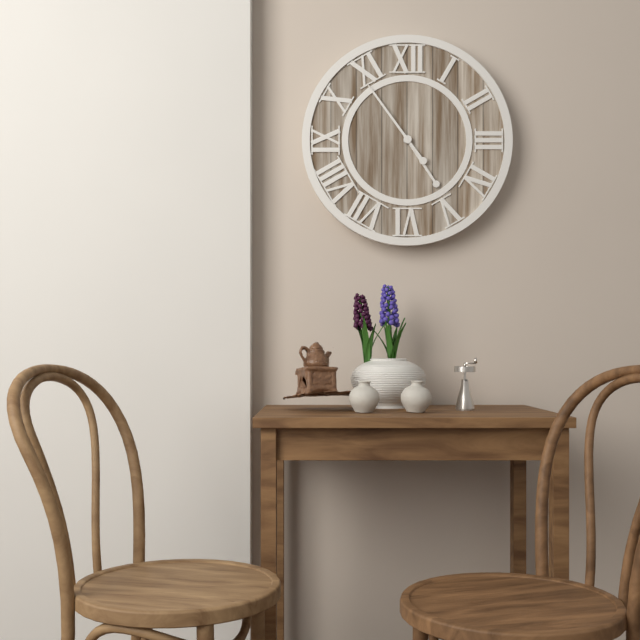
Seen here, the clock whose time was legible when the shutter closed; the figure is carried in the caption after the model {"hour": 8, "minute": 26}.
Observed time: {"hour": 4, "minute": 54}
